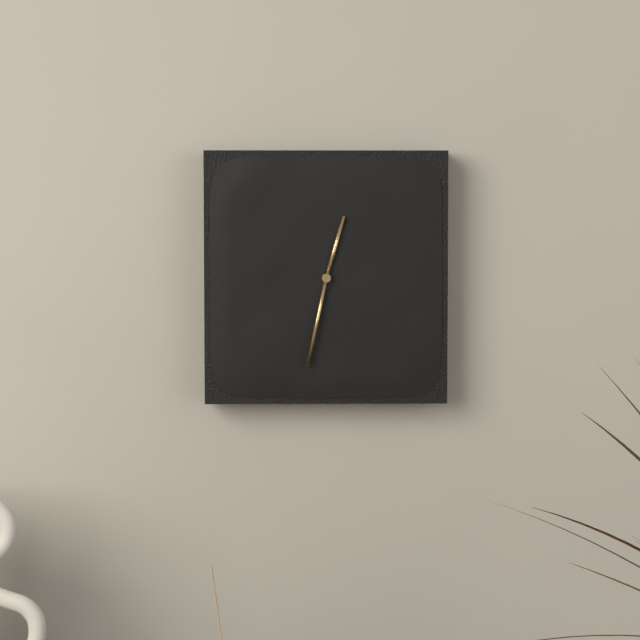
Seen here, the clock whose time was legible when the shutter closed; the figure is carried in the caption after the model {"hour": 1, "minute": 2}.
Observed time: {"hour": 12, "minute": 32}
